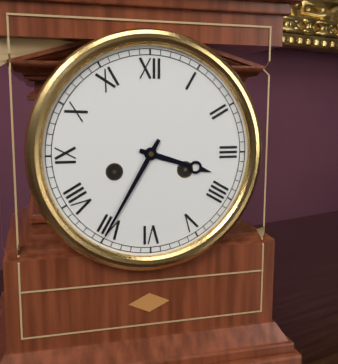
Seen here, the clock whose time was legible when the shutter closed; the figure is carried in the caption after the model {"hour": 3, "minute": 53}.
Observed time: {"hour": 3, "minute": 35}
